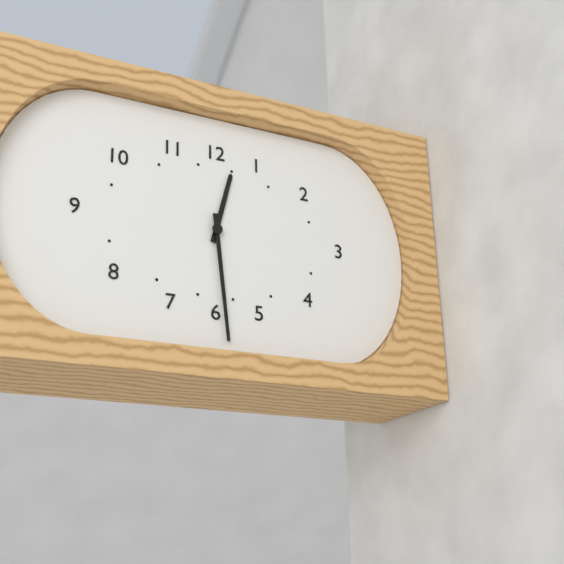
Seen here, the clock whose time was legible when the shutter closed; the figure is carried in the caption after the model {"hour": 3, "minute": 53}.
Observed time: {"hour": 12, "minute": 29}
